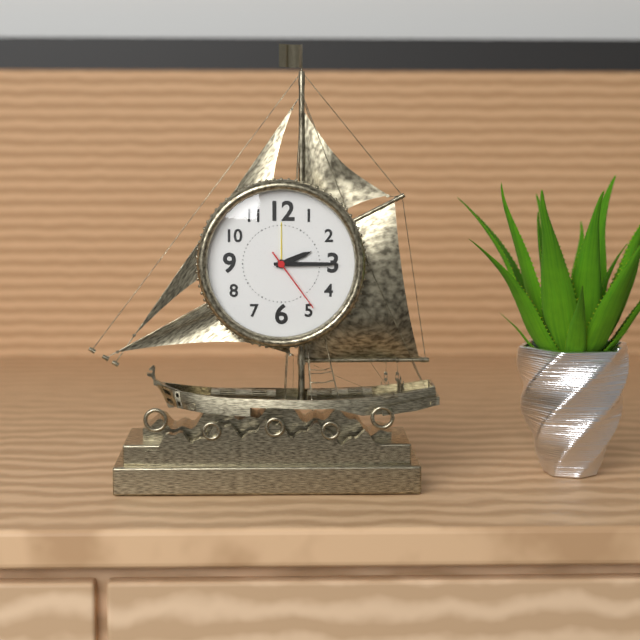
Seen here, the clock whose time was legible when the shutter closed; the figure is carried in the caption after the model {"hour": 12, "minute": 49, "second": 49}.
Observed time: {"hour": 2, "minute": 15, "second": 24}
